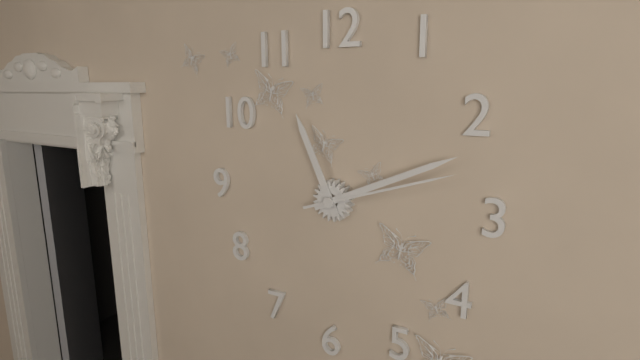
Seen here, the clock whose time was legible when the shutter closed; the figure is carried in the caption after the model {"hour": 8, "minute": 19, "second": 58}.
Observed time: {"hour": 11, "minute": 11, "second": 12}
